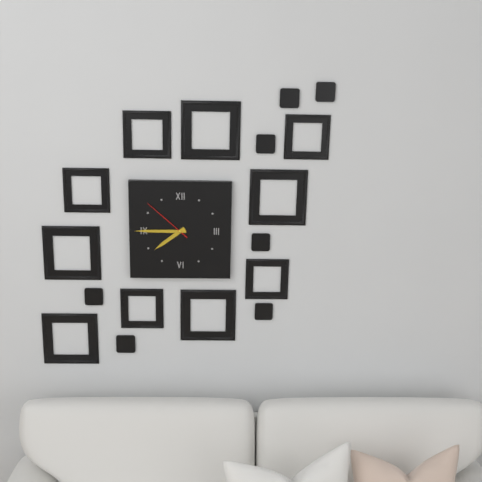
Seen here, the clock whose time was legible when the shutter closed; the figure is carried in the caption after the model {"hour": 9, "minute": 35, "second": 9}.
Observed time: {"hour": 7, "minute": 45, "second": 52}
